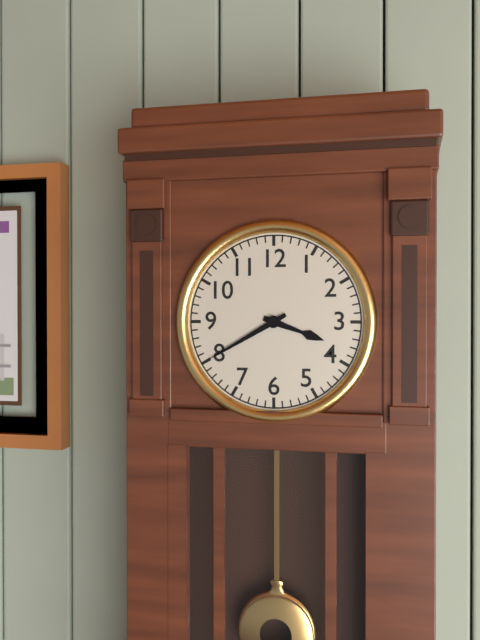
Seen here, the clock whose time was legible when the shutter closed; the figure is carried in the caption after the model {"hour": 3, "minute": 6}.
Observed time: {"hour": 3, "minute": 40}
